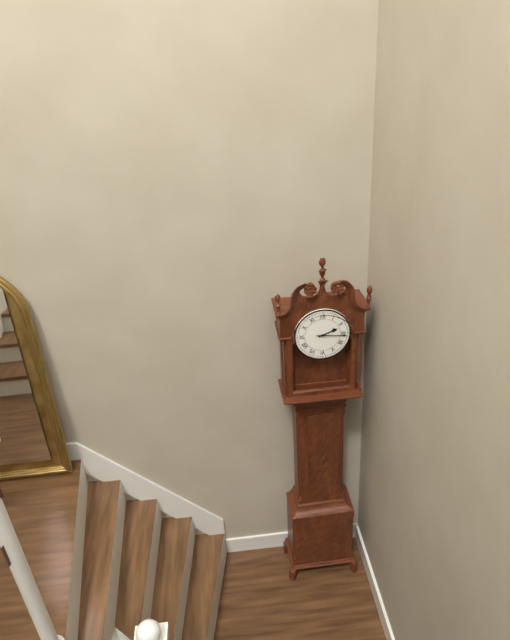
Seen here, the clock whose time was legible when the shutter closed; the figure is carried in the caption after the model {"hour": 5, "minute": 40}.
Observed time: {"hour": 2, "minute": 16}
